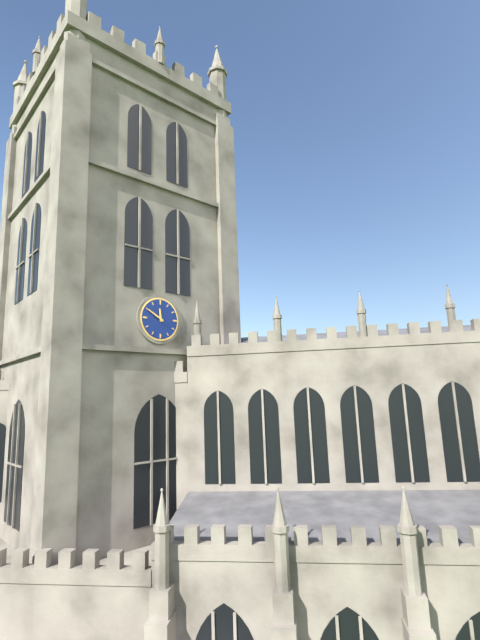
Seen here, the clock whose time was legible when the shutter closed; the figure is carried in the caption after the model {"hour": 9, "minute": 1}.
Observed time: {"hour": 11, "minute": 50}
